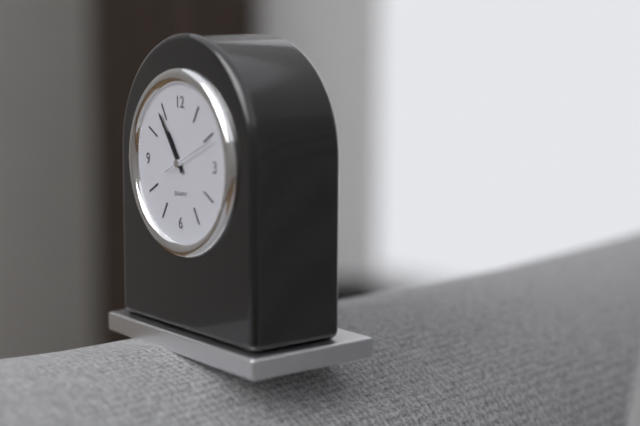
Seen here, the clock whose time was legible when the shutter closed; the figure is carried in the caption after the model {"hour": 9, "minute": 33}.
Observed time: {"hour": 10, "minute": 54}
